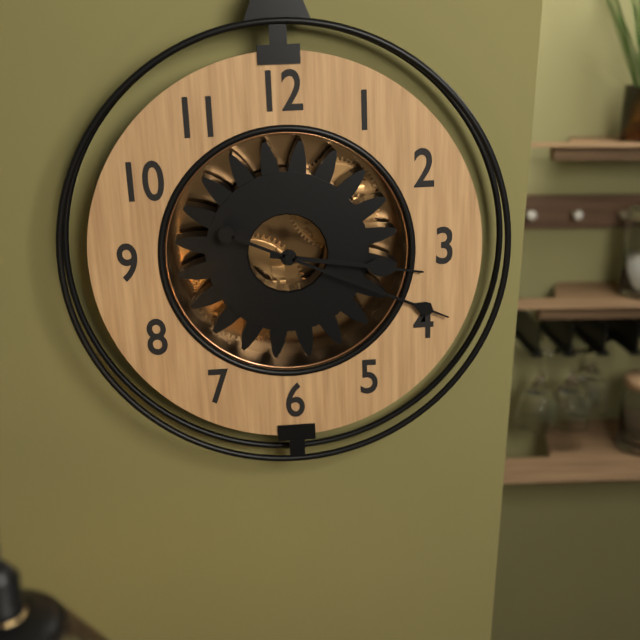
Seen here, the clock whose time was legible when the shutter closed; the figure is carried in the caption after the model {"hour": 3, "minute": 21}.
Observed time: {"hour": 3, "minute": 19}
